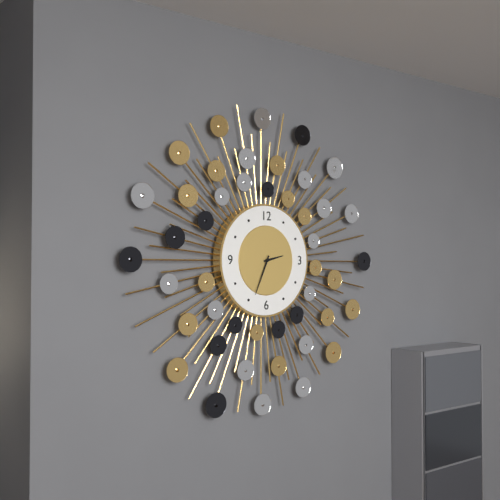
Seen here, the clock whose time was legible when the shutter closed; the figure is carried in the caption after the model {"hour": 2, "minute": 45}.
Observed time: {"hour": 2, "minute": 34}
